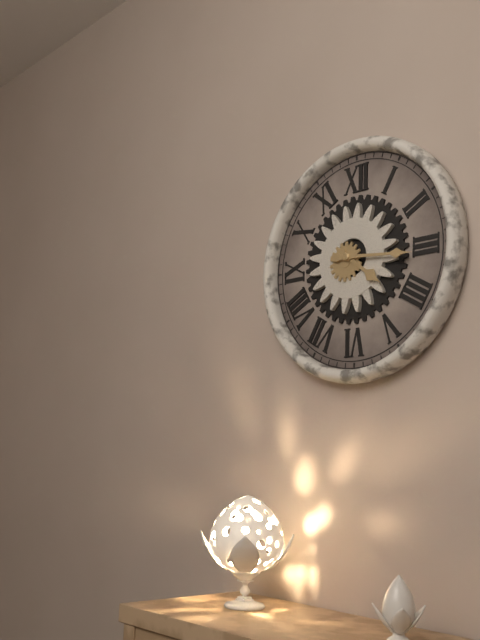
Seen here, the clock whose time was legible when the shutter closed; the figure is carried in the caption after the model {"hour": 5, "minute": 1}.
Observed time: {"hour": 4, "minute": 16}
